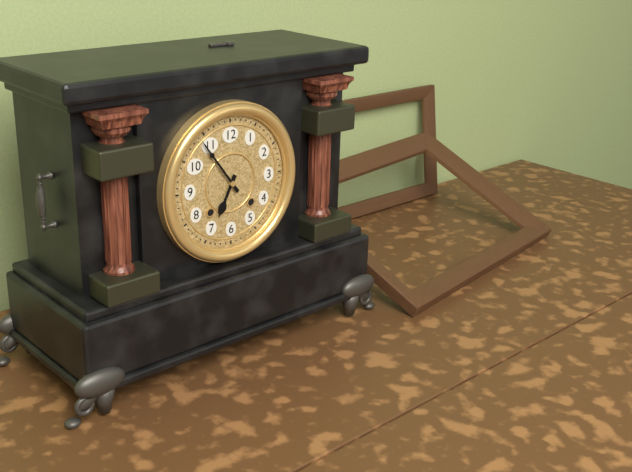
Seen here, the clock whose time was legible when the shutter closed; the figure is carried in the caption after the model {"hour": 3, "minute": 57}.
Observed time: {"hour": 6, "minute": 54}
